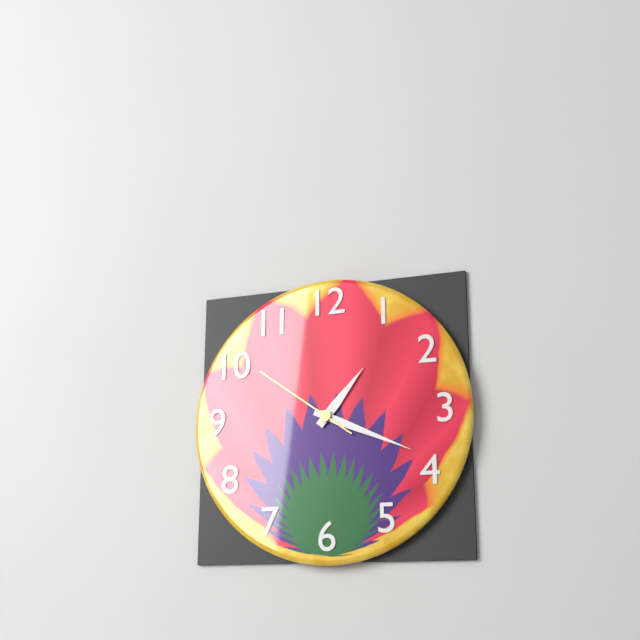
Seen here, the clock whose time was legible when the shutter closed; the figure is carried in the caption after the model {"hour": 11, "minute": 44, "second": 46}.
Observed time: {"hour": 1, "minute": 19, "second": 51}
